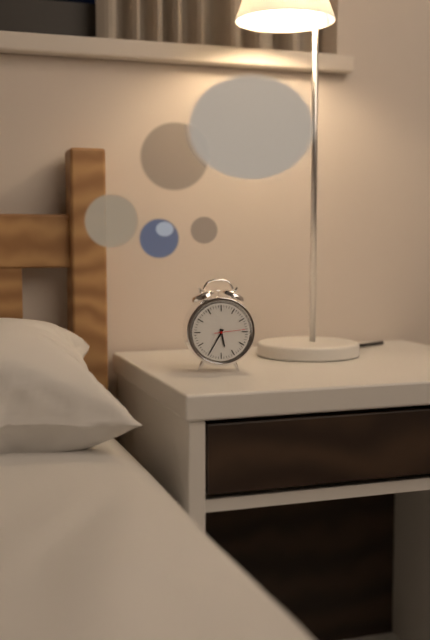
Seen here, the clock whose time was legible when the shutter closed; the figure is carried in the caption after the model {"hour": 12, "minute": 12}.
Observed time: {"hour": 5, "minute": 35}
